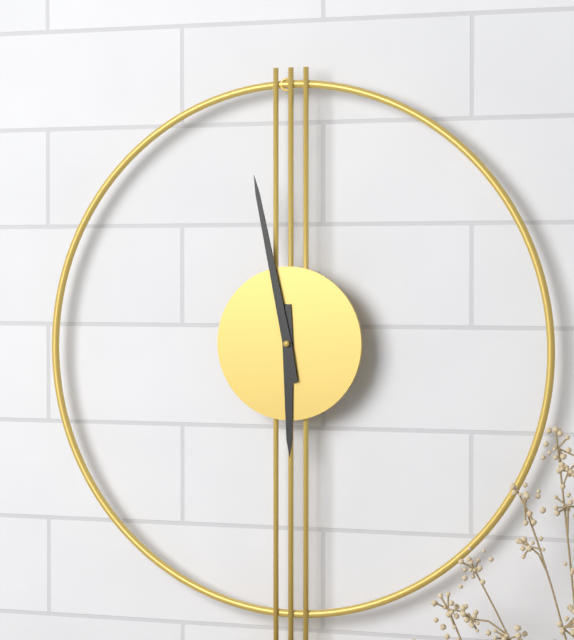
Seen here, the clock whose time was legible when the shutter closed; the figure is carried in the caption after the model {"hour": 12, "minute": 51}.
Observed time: {"hour": 5, "minute": 58}
